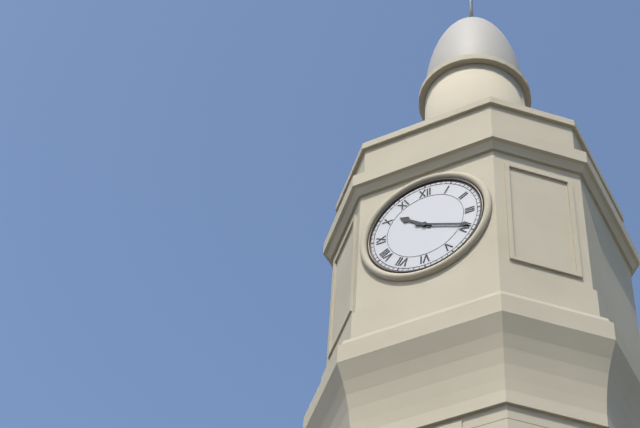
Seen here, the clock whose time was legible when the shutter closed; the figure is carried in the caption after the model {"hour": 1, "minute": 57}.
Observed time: {"hour": 10, "minute": 19}
